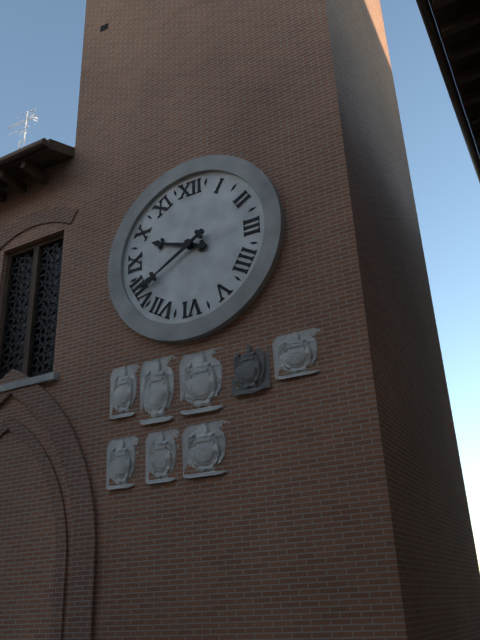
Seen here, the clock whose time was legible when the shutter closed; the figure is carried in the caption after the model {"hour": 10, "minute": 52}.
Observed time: {"hour": 9, "minute": 40}
